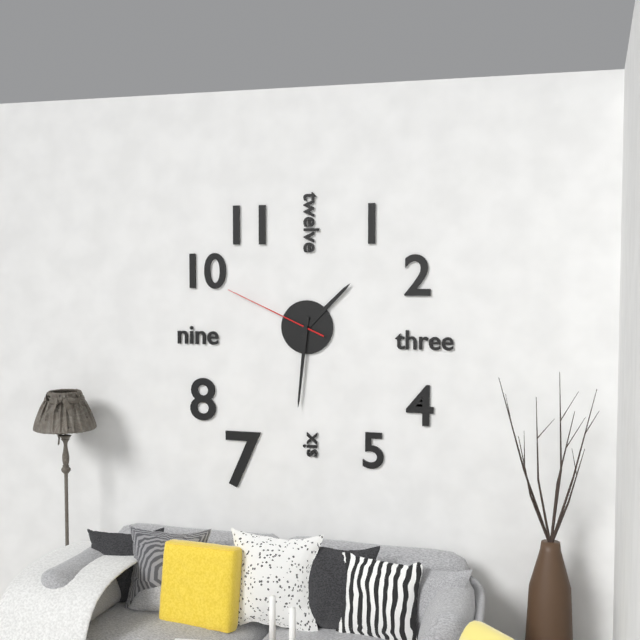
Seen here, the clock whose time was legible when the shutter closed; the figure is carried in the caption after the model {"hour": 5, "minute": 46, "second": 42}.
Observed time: {"hour": 1, "minute": 31, "second": 49}
